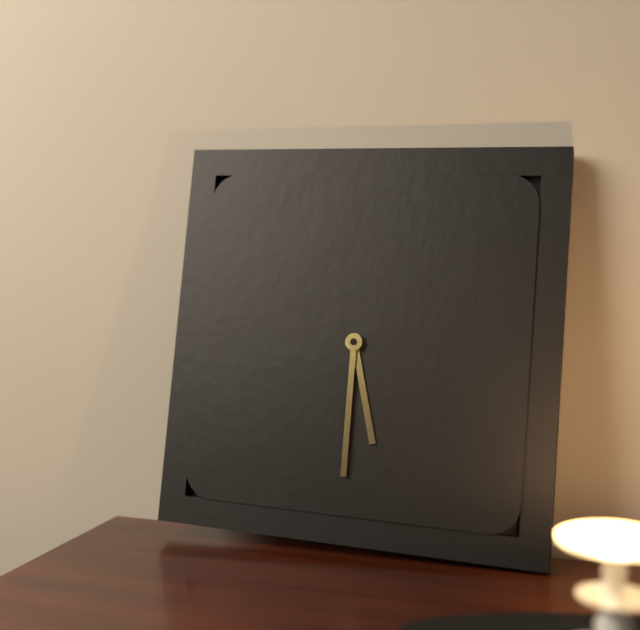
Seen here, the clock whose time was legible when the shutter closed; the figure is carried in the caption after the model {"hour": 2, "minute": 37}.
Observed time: {"hour": 5, "minute": 30}
